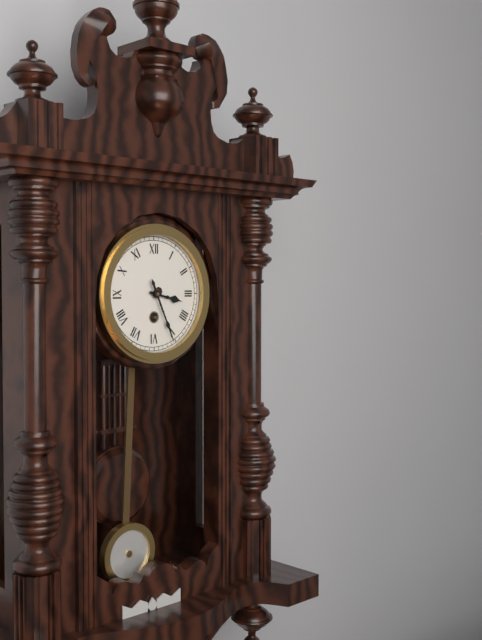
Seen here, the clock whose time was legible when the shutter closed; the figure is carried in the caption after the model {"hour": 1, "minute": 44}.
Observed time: {"hour": 3, "minute": 26}
